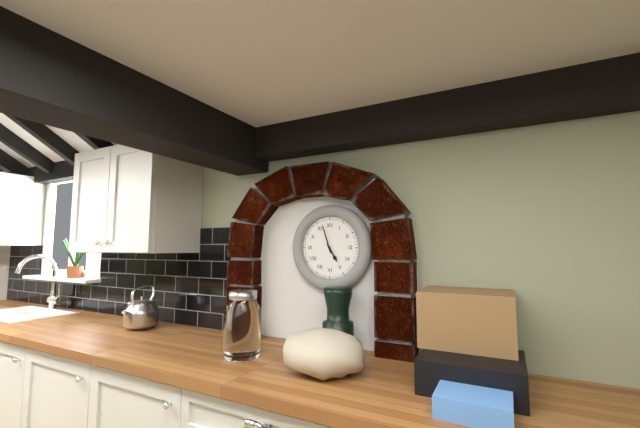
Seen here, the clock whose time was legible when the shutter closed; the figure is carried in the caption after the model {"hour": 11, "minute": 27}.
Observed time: {"hour": 4, "minute": 57}
